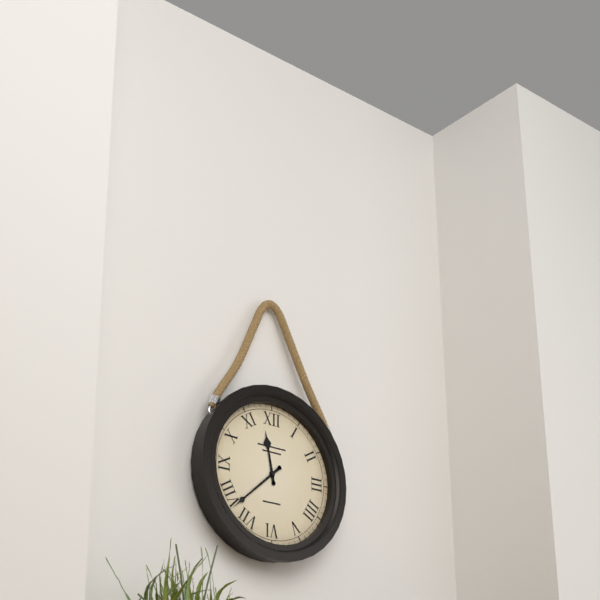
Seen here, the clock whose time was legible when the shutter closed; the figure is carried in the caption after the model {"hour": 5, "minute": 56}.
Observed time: {"hour": 11, "minute": 38}
